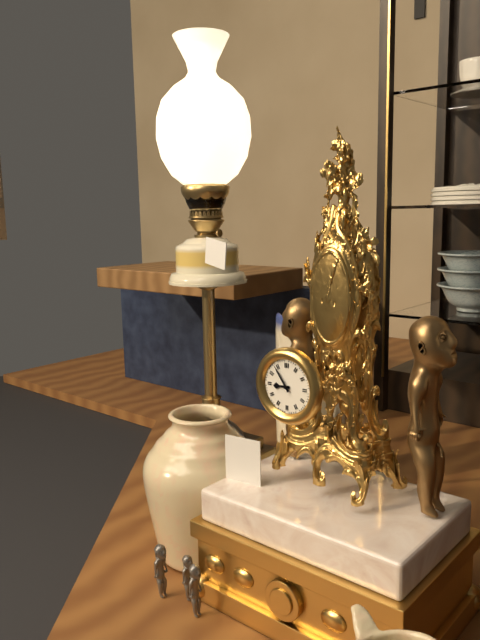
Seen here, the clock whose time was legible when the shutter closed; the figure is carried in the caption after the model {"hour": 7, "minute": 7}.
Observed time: {"hour": 8, "minute": 54}
